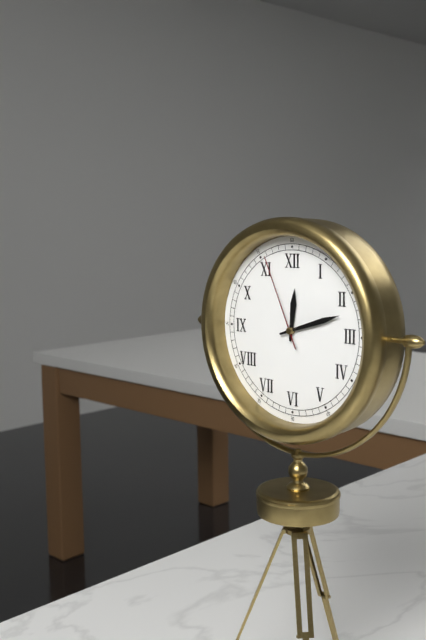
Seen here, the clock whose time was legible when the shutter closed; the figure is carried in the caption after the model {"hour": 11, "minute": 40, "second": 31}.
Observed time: {"hour": 12, "minute": 12, "second": 56}
